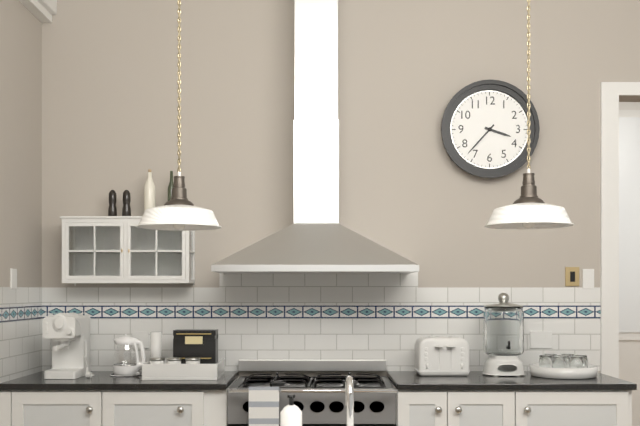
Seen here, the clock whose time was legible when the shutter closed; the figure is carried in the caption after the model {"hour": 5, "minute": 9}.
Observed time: {"hour": 3, "minute": 37}
